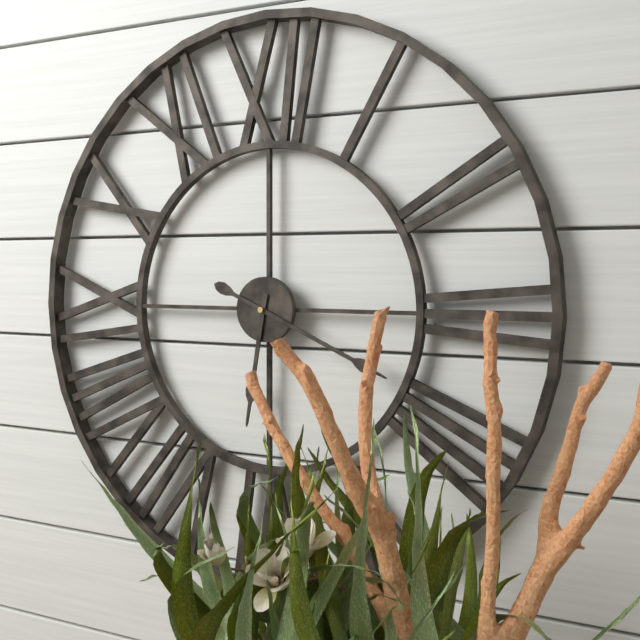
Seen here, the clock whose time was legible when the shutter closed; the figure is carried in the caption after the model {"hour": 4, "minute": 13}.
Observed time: {"hour": 6, "minute": 19}
